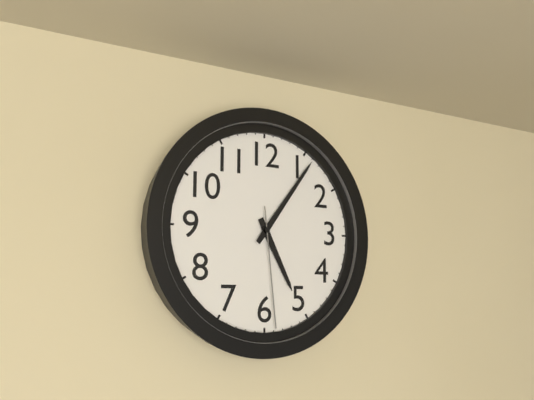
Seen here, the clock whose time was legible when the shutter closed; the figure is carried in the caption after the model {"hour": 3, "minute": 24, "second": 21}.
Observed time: {"hour": 5, "minute": 6, "second": 29}
